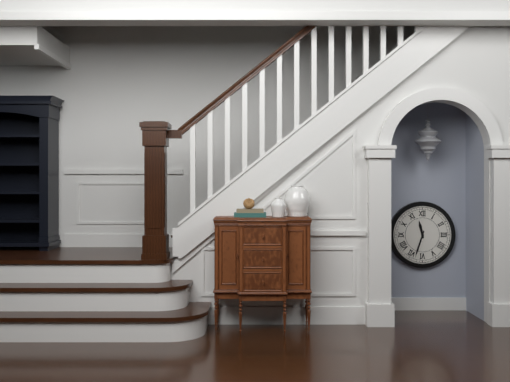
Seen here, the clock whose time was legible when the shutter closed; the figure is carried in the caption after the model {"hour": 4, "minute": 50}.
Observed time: {"hour": 11, "minute": 33}
